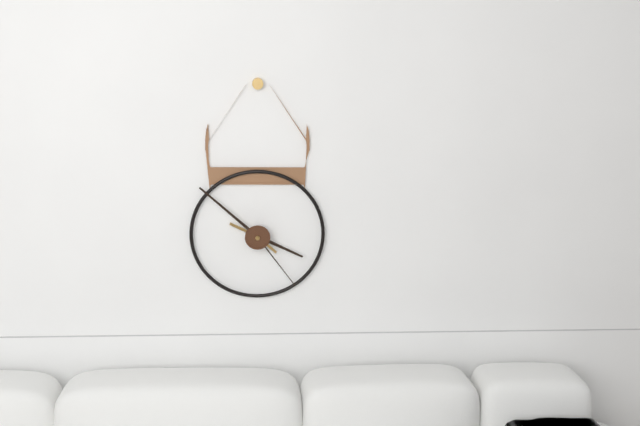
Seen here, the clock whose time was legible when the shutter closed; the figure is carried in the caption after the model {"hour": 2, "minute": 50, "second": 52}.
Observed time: {"hour": 3, "minute": 52, "second": 24}
